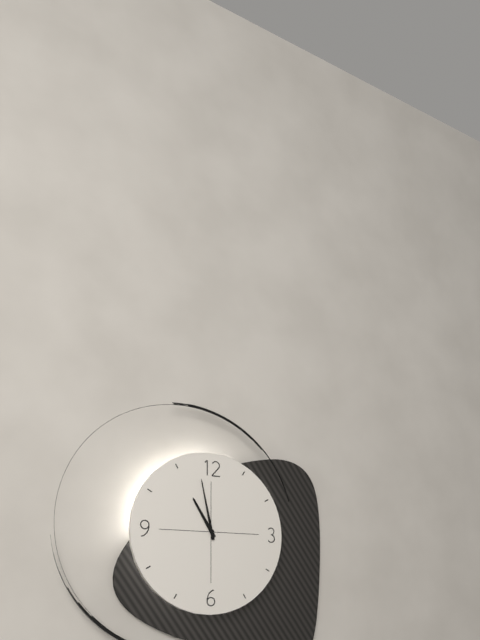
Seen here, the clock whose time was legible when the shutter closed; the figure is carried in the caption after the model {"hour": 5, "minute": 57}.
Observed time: {"hour": 10, "minute": 58}
